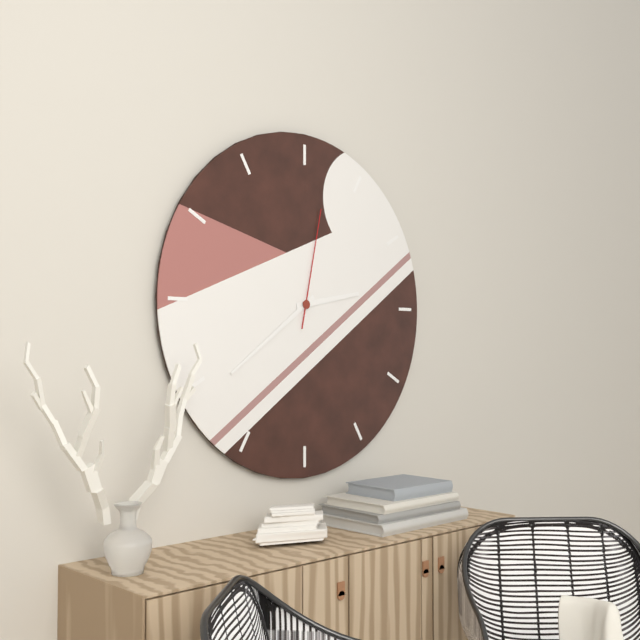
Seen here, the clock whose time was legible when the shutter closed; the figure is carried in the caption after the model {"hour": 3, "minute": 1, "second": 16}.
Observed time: {"hour": 2, "minute": 39, "second": 2}
